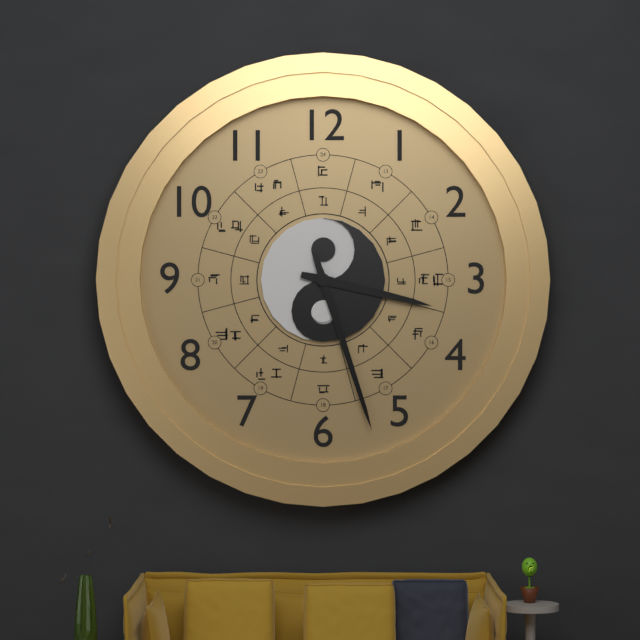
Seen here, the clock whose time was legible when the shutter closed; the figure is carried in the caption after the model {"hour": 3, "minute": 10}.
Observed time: {"hour": 3, "minute": 27}
